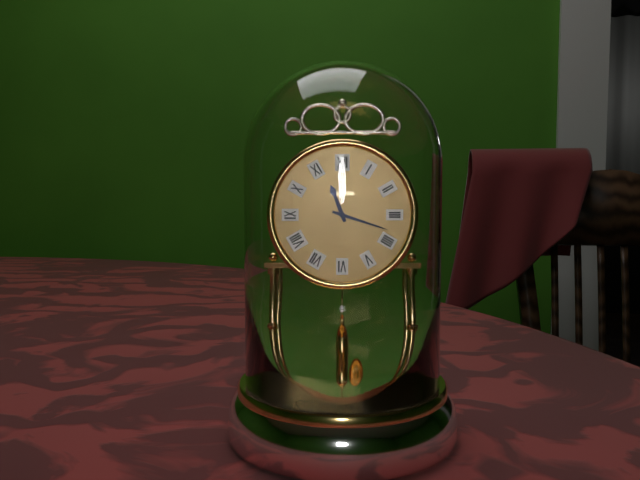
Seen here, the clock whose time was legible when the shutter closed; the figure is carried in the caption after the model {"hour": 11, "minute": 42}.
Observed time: {"hour": 11, "minute": 18}
